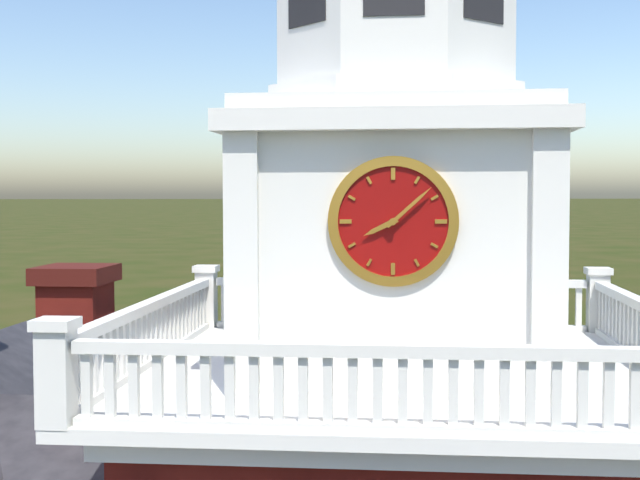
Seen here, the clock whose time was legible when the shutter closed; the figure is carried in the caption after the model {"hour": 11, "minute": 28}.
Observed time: {"hour": 8, "minute": 8}
